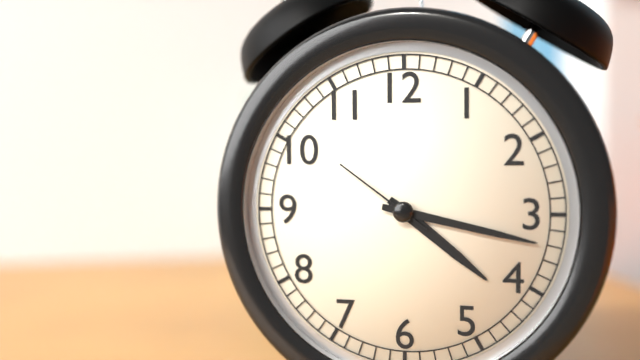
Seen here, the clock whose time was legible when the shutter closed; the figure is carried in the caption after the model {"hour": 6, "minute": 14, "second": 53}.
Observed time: {"hour": 4, "minute": 17, "second": 51}
